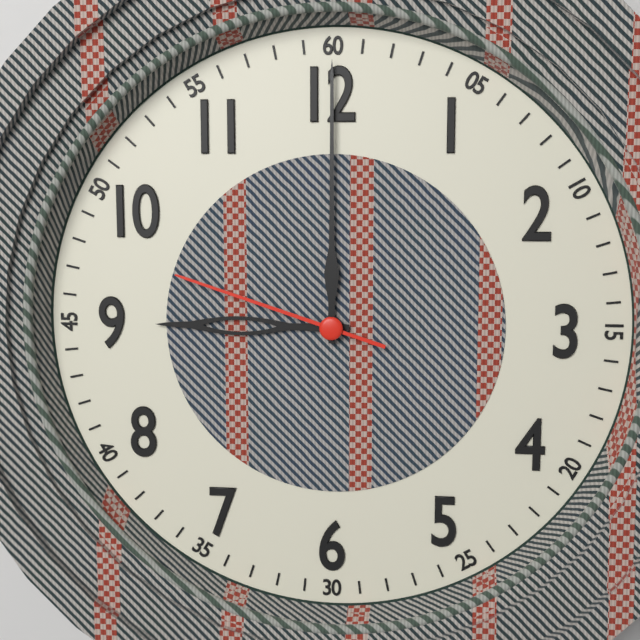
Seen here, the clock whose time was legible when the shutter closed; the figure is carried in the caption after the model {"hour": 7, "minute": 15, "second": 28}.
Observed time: {"hour": 9, "minute": 0, "second": 48}
